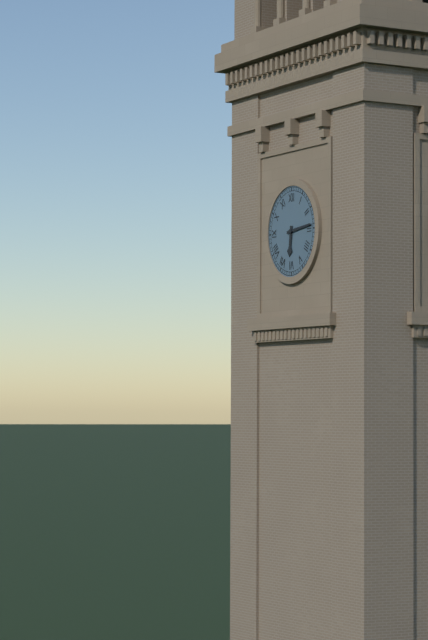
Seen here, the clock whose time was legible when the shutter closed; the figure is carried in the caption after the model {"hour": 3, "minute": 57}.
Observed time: {"hour": 6, "minute": 14}
